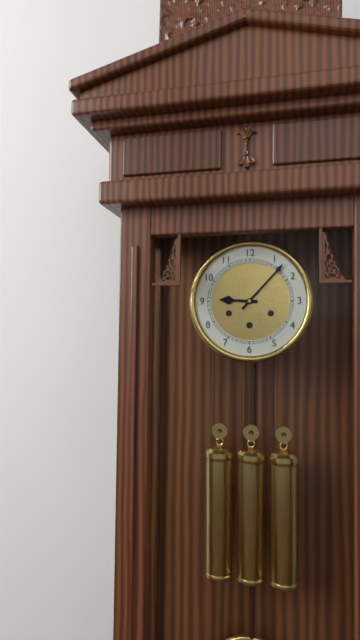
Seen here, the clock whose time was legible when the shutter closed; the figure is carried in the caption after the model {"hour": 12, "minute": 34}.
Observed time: {"hour": 9, "minute": 7}
